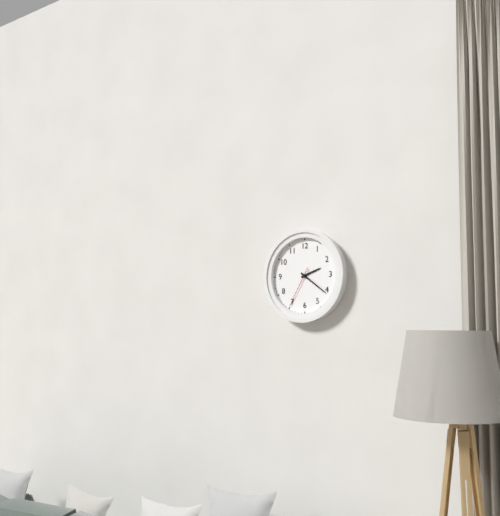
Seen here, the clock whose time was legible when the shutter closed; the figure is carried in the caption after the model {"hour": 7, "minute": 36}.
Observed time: {"hour": 2, "minute": 21}
